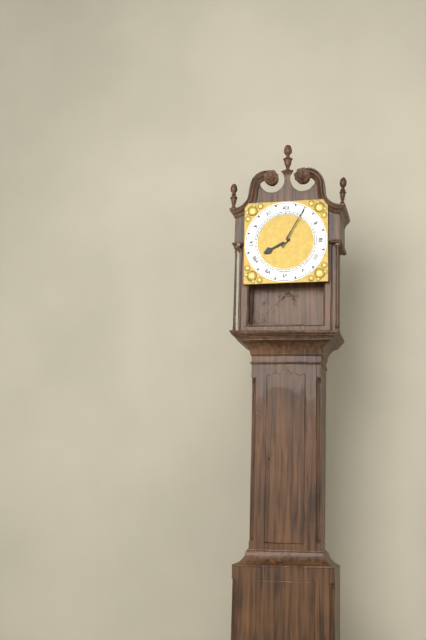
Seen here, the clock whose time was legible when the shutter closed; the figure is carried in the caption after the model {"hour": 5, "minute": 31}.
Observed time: {"hour": 8, "minute": 5}
